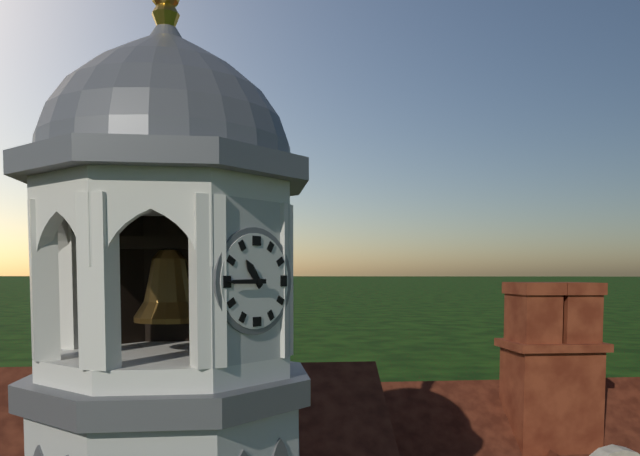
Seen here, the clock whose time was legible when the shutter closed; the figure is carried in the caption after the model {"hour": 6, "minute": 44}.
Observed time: {"hour": 10, "minute": 45}
